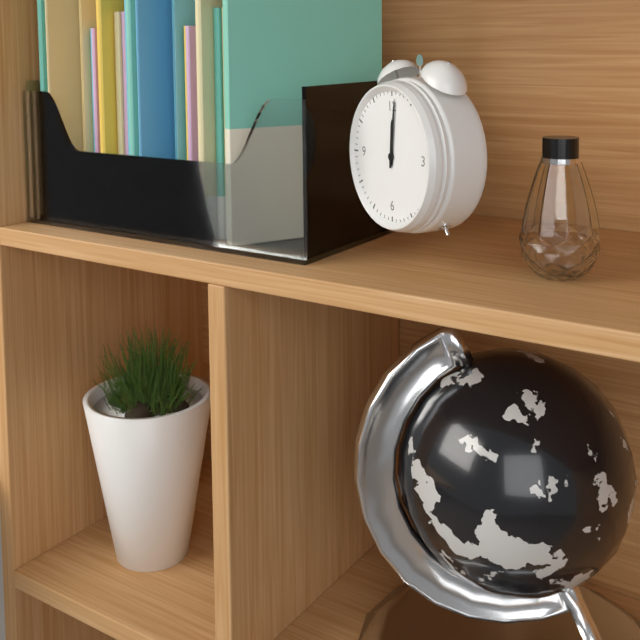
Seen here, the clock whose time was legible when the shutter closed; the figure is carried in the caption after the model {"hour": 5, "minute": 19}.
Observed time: {"hour": 12, "minute": 1}
